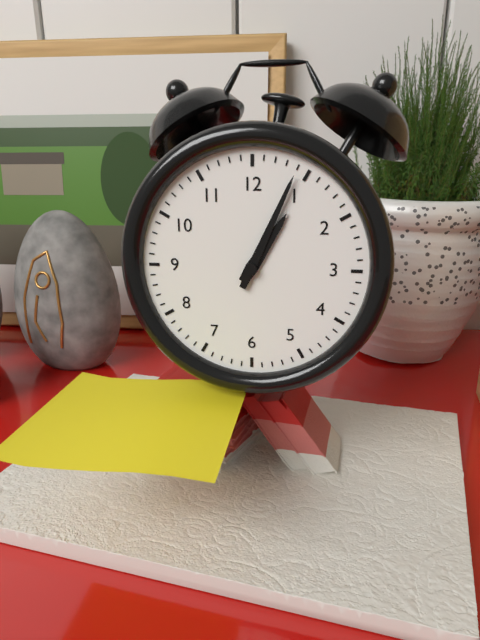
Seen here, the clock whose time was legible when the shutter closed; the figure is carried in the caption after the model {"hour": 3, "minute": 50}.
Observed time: {"hour": 1, "minute": 4}
